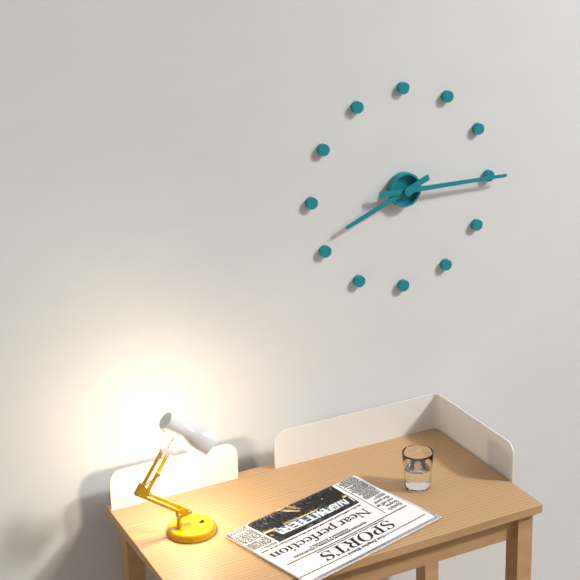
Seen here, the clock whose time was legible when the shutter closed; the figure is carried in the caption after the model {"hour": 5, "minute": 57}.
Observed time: {"hour": 8, "minute": 15}
